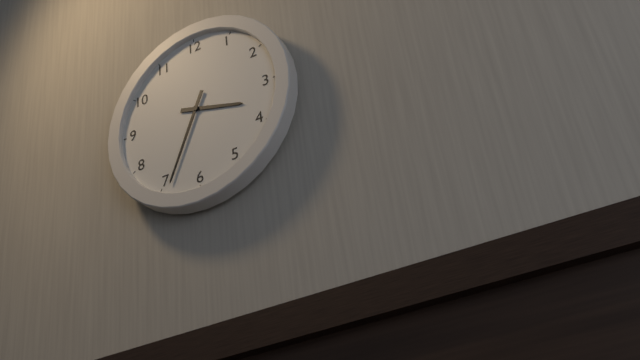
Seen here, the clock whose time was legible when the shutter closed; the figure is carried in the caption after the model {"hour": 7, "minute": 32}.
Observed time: {"hour": 3, "minute": 34}
